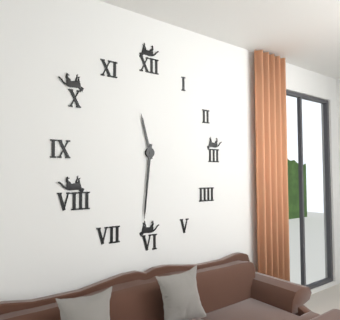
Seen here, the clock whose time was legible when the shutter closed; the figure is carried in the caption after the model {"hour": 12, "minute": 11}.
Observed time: {"hour": 11, "minute": 31}
